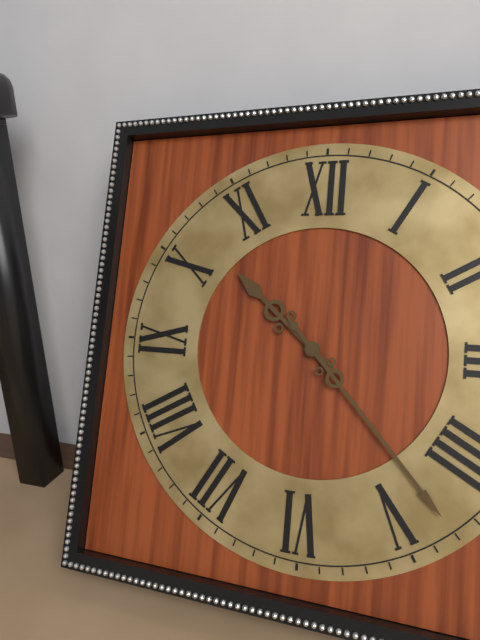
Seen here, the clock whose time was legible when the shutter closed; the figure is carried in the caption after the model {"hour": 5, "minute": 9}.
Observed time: {"hour": 10, "minute": 23}
